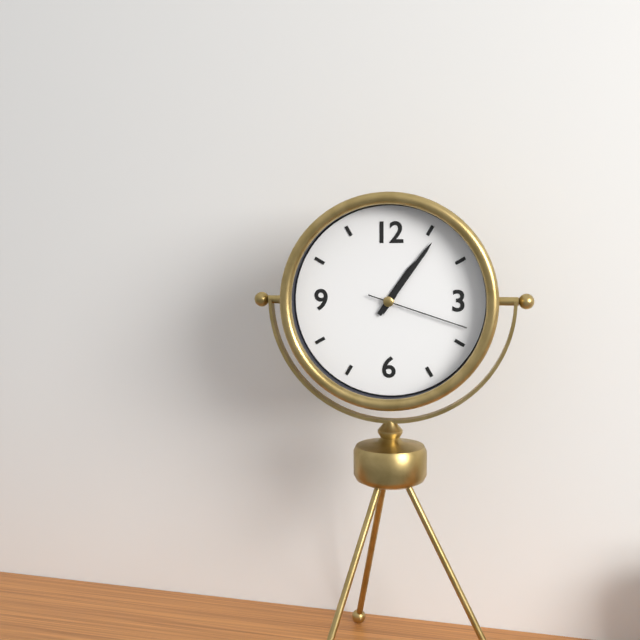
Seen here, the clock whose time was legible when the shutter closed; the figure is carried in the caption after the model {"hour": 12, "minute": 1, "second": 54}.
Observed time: {"hour": 1, "minute": 6, "second": 18}
